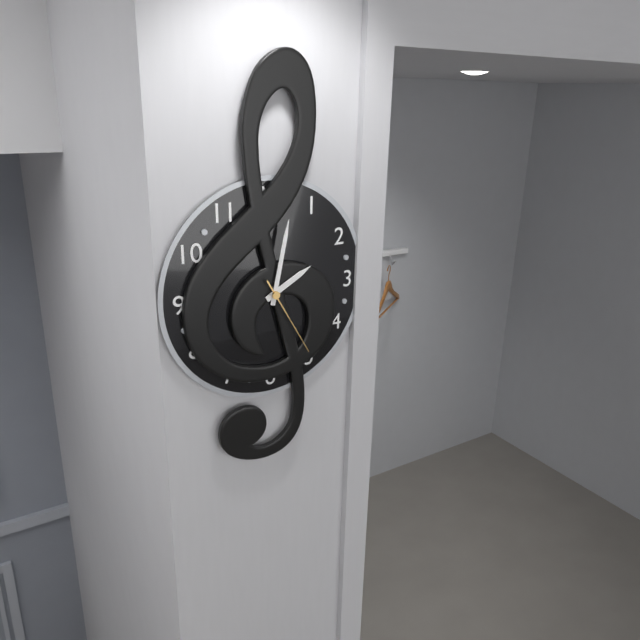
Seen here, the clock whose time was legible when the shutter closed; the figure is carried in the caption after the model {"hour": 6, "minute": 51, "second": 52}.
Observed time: {"hour": 2, "minute": 2, "second": 25}
